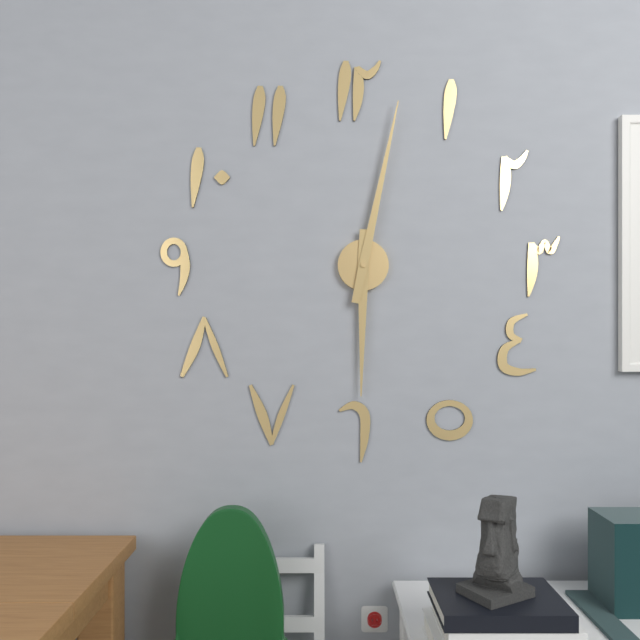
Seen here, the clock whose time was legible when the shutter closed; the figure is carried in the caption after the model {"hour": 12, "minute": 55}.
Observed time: {"hour": 6, "minute": 2}
